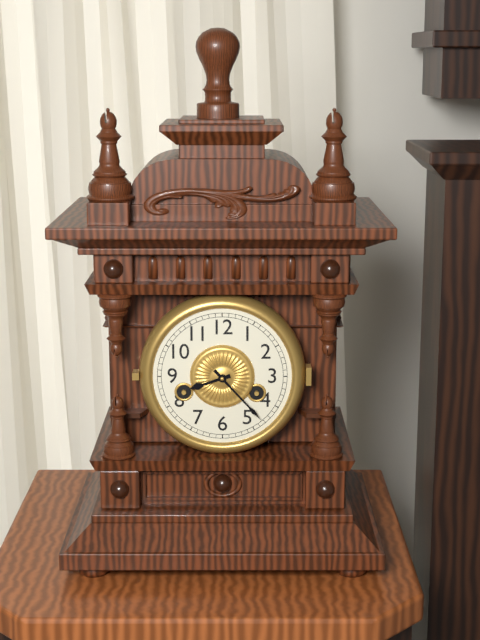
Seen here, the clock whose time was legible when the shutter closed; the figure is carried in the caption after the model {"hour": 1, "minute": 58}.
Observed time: {"hour": 8, "minute": 23}
